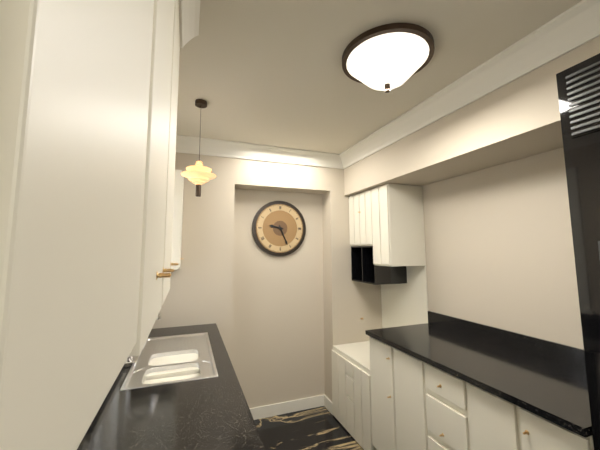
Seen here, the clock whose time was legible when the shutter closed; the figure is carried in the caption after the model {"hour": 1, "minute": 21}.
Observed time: {"hour": 9, "minute": 26}
